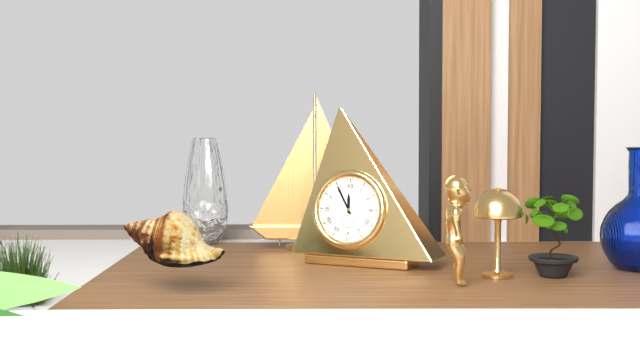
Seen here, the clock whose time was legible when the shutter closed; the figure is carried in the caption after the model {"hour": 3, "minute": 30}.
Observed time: {"hour": 11, "minute": 55}
